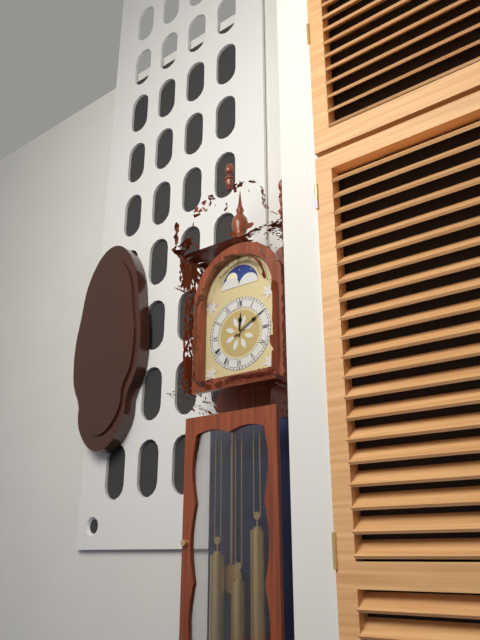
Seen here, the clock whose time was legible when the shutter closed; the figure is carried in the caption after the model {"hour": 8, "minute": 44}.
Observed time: {"hour": 12, "minute": 10}
